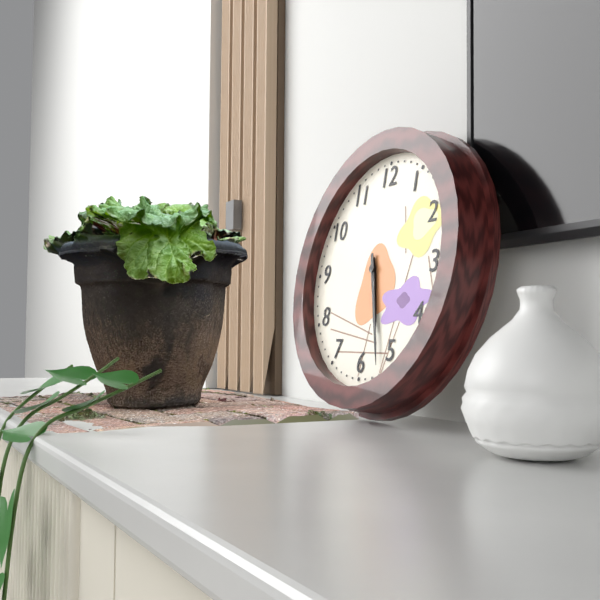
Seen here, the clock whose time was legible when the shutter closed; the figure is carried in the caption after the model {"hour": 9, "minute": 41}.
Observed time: {"hour": 5, "minute": 27}
